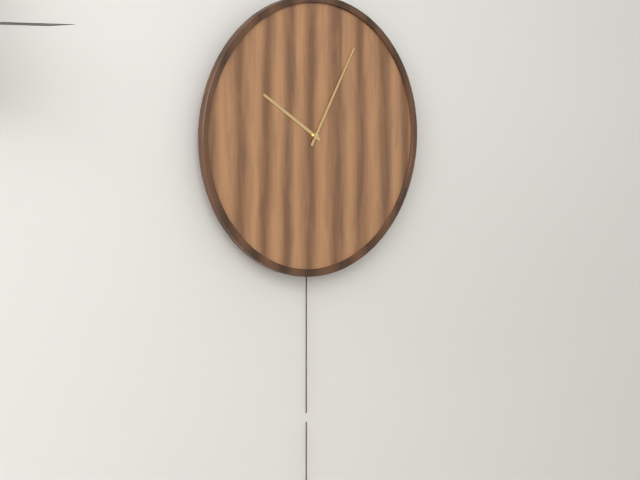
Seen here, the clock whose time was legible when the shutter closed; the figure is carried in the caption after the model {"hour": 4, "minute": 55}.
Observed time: {"hour": 10, "minute": 5}
